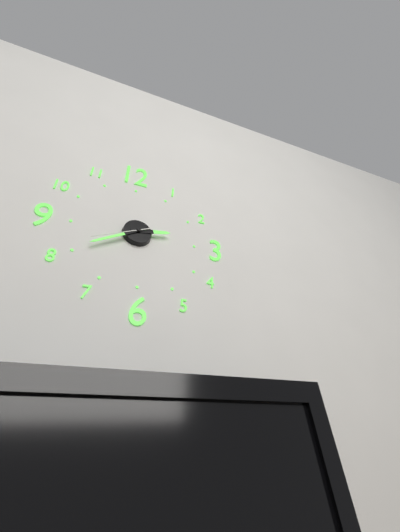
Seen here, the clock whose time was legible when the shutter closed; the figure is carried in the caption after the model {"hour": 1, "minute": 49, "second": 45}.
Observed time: {"hour": 2, "minute": 40, "second": 41}
